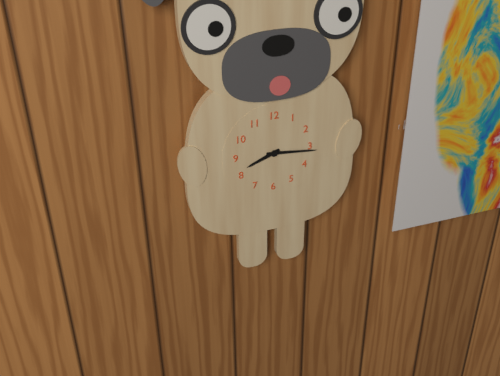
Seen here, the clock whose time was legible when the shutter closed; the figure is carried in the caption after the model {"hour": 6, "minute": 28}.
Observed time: {"hour": 8, "minute": 16}
